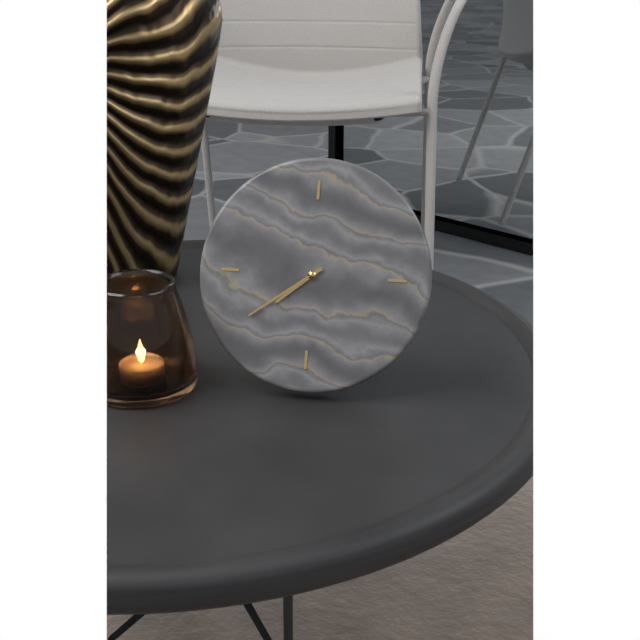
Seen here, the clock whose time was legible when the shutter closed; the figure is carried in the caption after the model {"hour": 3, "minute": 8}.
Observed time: {"hour": 7, "minute": 39}
